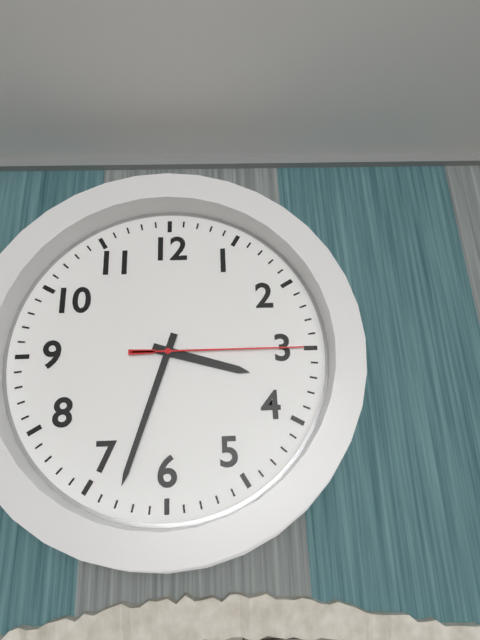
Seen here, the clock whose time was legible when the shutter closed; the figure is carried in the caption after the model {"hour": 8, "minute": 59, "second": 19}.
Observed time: {"hour": 3, "minute": 33, "second": 15}
